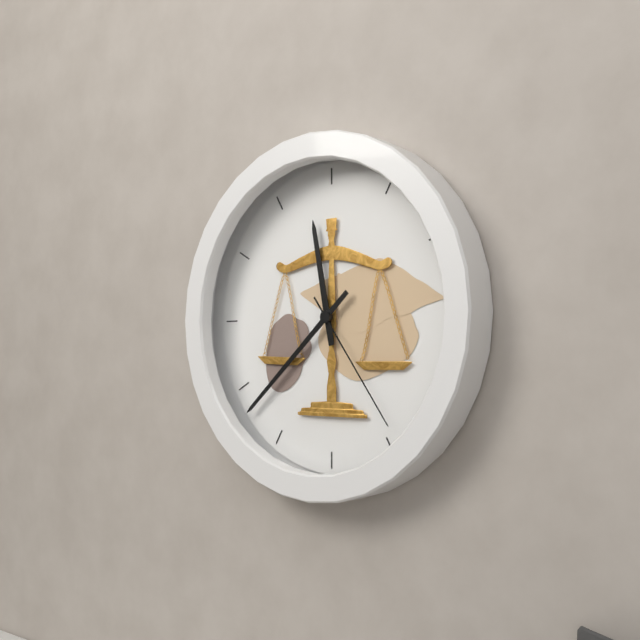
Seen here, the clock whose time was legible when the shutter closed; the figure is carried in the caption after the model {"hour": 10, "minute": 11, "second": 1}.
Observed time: {"hour": 11, "minute": 38, "second": 24}
